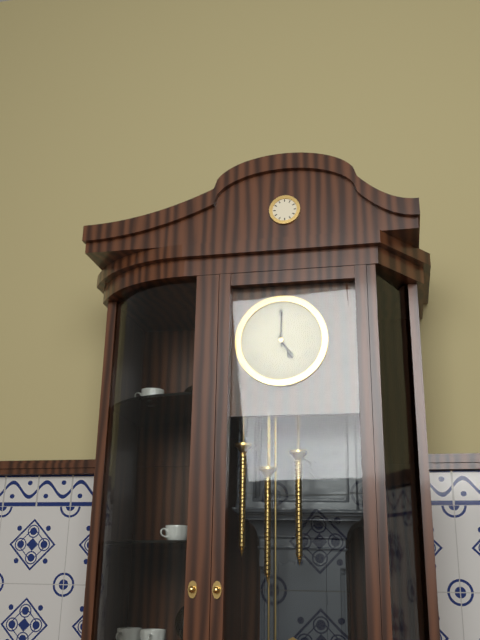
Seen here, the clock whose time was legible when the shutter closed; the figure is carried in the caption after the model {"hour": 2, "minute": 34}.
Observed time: {"hour": 5, "minute": 0}
